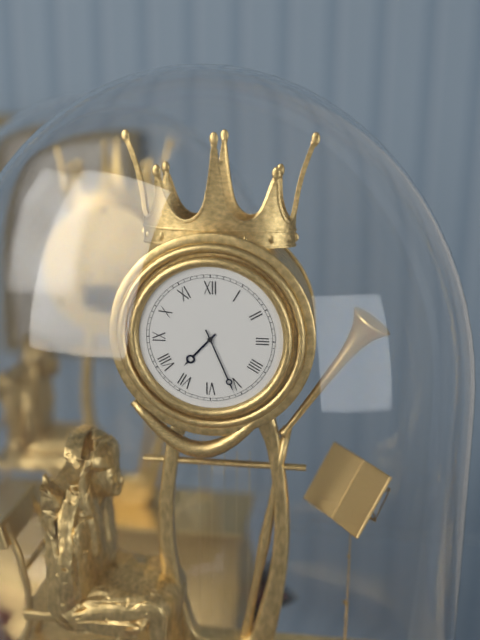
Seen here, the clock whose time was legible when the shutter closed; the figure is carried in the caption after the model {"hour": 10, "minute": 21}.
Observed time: {"hour": 7, "minute": 26}
